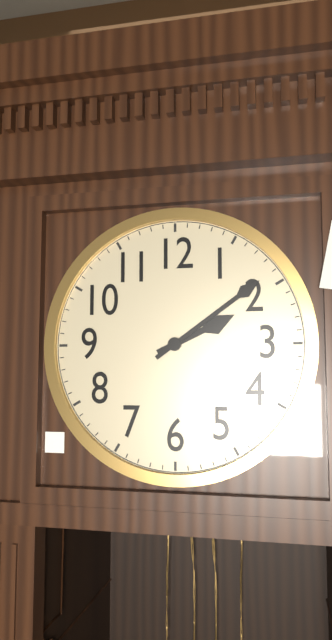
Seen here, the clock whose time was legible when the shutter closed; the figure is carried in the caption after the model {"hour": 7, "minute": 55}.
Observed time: {"hour": 2, "minute": 9}
